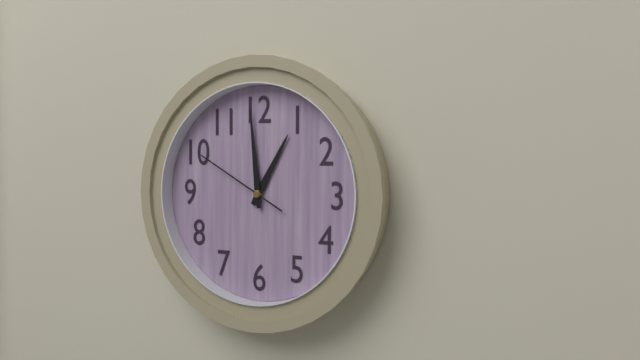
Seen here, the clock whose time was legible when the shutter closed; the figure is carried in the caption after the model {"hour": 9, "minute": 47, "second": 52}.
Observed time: {"hour": 12, "minute": 59, "second": 50}
